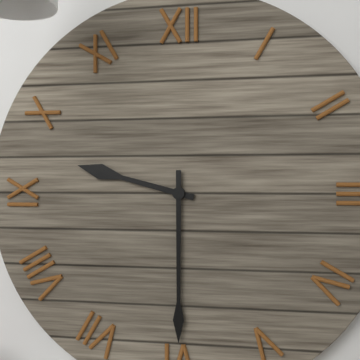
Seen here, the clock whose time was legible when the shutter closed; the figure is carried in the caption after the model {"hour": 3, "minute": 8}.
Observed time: {"hour": 9, "minute": 30}
